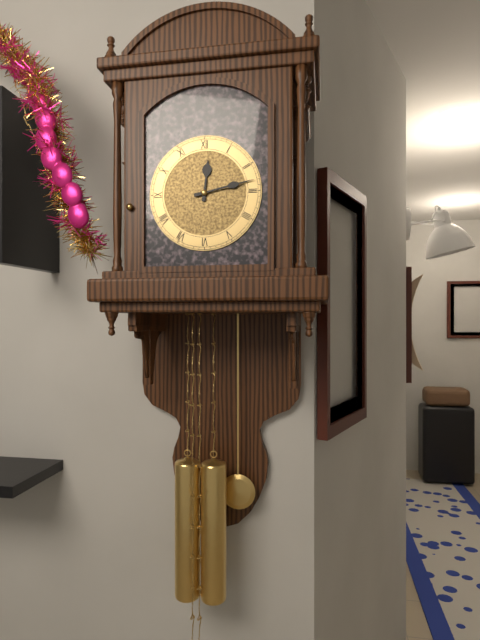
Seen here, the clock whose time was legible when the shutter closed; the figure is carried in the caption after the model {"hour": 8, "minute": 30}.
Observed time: {"hour": 12, "minute": 13}
